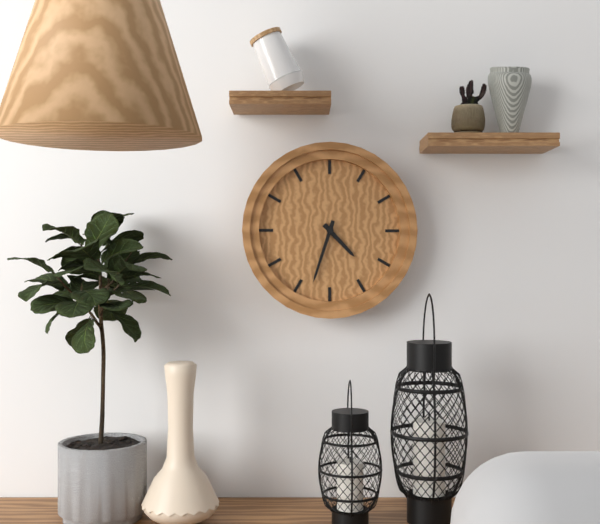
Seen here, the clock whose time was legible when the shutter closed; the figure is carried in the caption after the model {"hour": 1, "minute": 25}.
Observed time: {"hour": 4, "minute": 33}
